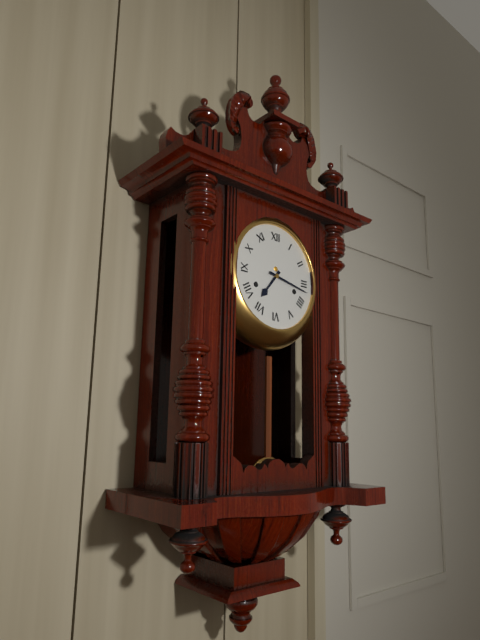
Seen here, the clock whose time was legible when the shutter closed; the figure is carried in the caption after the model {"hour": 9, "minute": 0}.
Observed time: {"hour": 7, "minute": 17}
